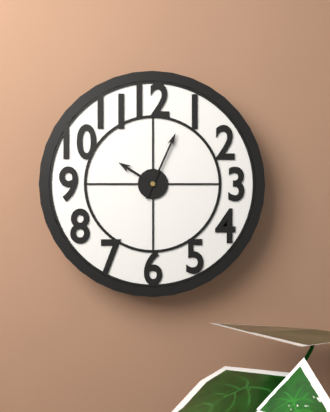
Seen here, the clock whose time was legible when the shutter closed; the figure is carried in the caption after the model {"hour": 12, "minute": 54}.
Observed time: {"hour": 10, "minute": 4}
